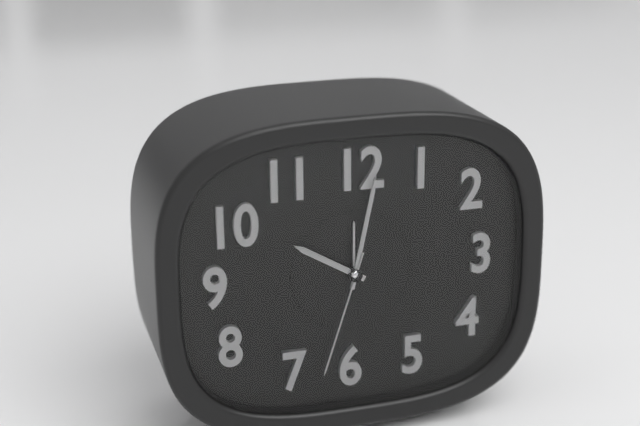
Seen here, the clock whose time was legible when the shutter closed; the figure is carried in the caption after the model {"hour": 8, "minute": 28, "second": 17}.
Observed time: {"hour": 10, "minute": 2, "second": 33}
